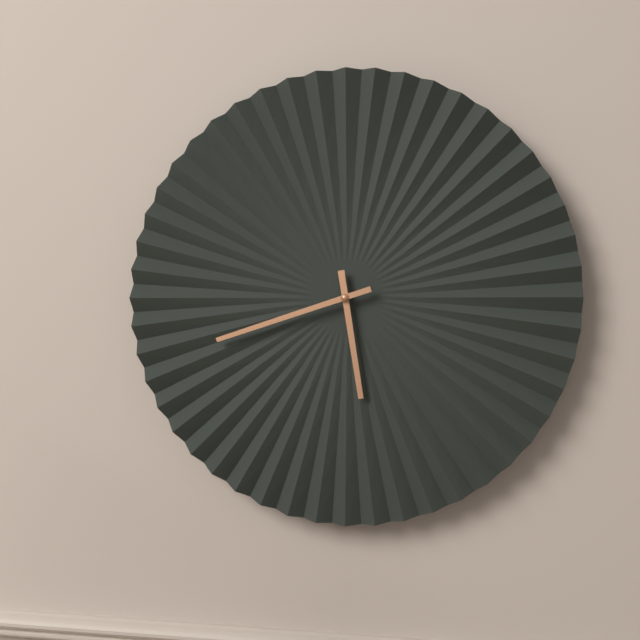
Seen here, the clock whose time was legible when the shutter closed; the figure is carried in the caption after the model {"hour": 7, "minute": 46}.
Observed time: {"hour": 5, "minute": 42}
